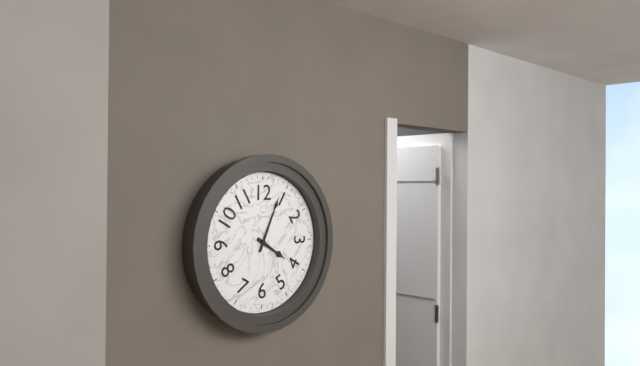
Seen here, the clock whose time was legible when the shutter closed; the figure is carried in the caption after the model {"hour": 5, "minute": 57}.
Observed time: {"hour": 4, "minute": 4}
